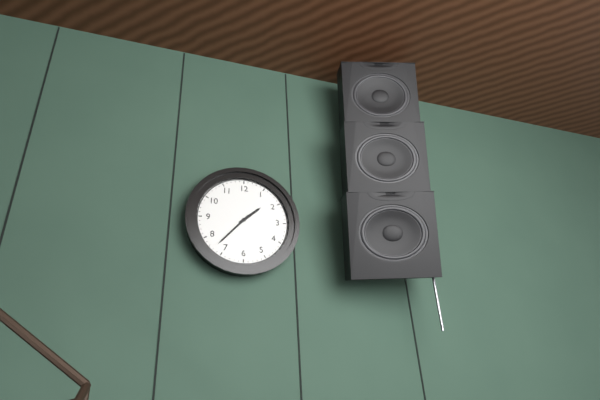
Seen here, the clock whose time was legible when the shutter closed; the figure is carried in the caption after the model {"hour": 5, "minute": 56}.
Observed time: {"hour": 1, "minute": 37}
